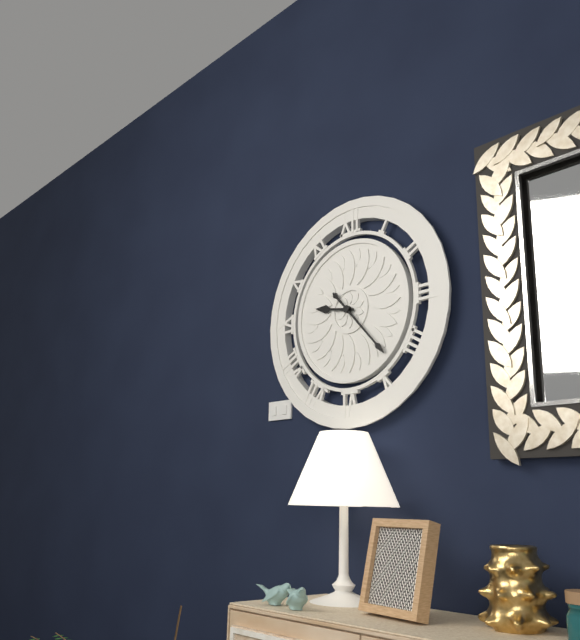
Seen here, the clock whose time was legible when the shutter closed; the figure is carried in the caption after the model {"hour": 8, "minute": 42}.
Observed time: {"hour": 9, "minute": 23}
